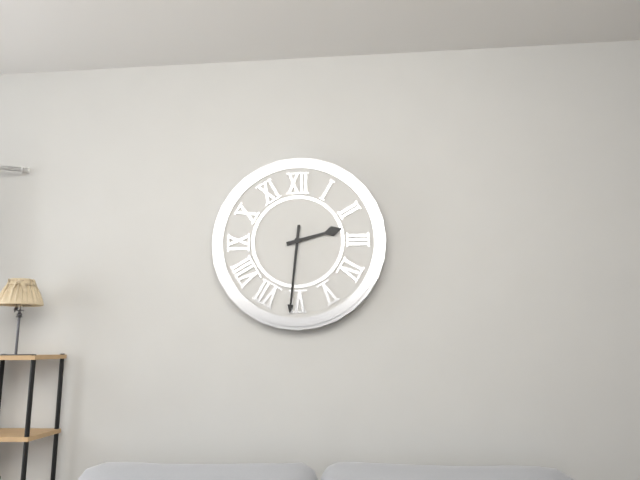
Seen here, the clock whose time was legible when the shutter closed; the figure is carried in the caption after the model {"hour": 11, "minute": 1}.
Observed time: {"hour": 2, "minute": 31}
